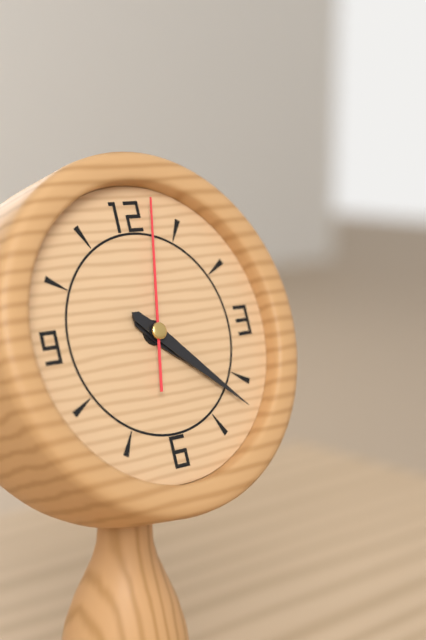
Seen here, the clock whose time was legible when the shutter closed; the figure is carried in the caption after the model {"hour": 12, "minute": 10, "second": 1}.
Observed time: {"hour": 4, "minute": 22, "second": 2}
